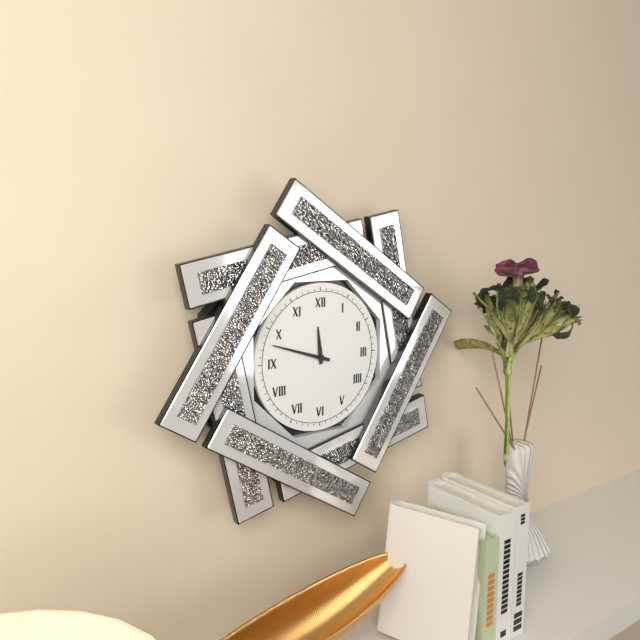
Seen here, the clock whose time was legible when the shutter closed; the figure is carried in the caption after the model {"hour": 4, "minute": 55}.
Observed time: {"hour": 11, "minute": 48}
